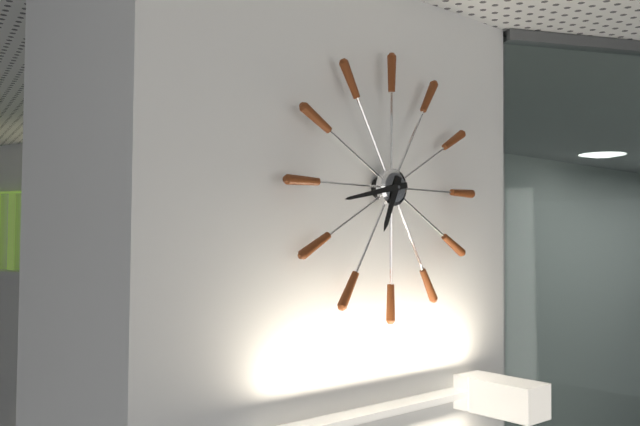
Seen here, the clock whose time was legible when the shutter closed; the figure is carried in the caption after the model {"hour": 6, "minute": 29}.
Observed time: {"hour": 6, "minute": 43}
